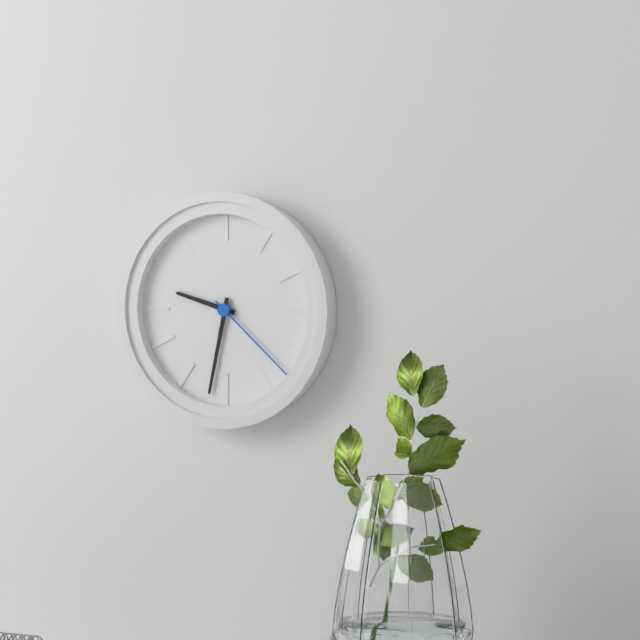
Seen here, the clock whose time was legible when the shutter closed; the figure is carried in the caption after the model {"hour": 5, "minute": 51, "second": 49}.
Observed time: {"hour": 9, "minute": 32, "second": 22}
